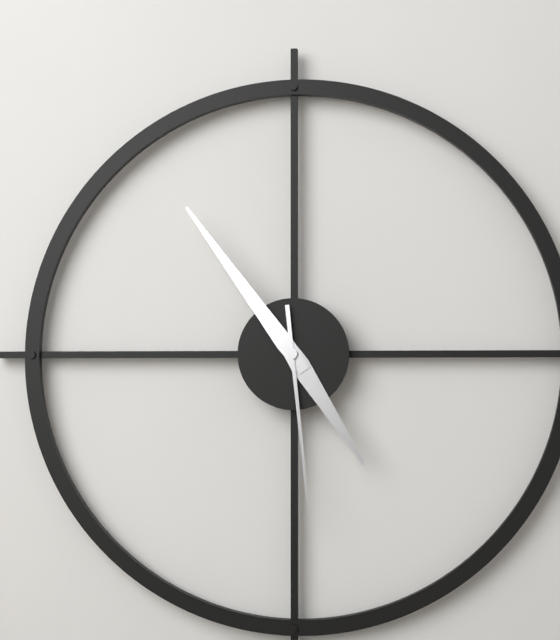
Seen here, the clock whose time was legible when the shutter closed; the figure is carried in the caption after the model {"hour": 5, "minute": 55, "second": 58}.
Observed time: {"hour": 4, "minute": 54, "second": 29}
